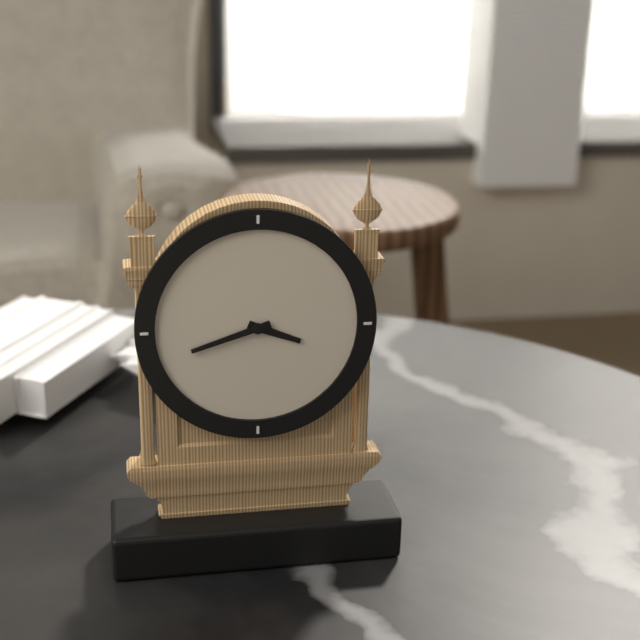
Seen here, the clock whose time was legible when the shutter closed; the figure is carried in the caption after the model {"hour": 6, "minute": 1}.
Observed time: {"hour": 3, "minute": 42}
